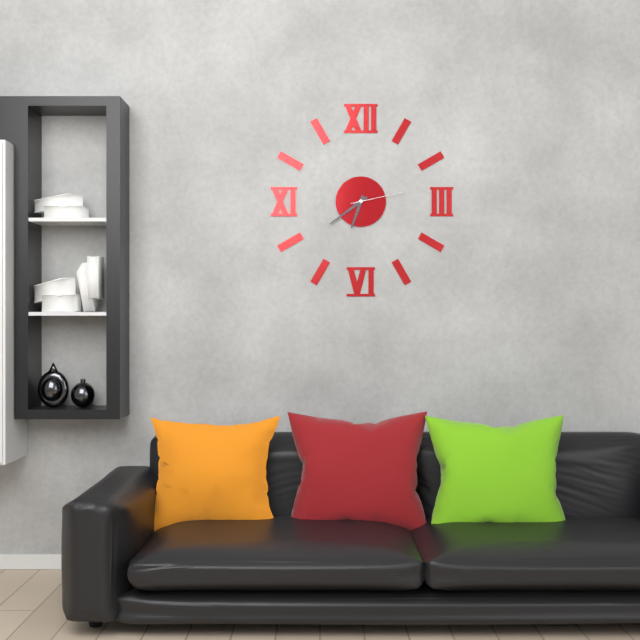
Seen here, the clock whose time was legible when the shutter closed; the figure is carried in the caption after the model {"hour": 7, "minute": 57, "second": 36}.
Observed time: {"hour": 6, "minute": 39, "second": 13}
